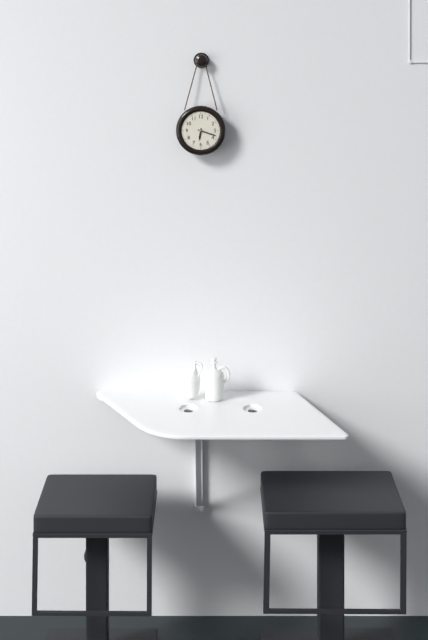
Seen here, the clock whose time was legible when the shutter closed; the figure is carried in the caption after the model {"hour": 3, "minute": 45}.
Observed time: {"hour": 6, "minute": 18}
